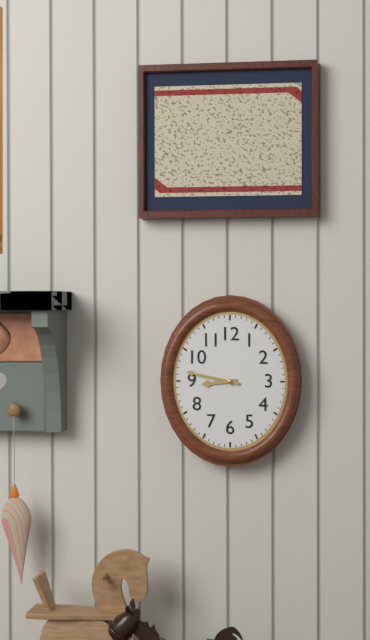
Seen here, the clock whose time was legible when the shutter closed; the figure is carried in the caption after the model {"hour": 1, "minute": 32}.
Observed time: {"hour": 8, "minute": 47}
